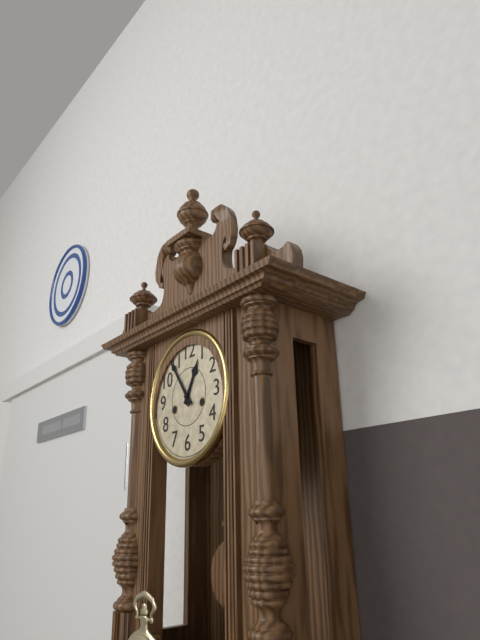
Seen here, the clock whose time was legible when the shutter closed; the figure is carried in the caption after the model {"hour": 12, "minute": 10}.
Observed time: {"hour": 12, "minute": 54}
